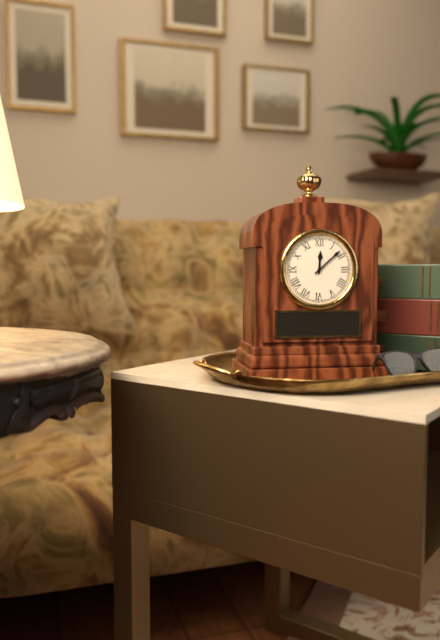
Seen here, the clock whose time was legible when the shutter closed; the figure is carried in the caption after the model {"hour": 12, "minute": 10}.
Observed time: {"hour": 12, "minute": 8}
